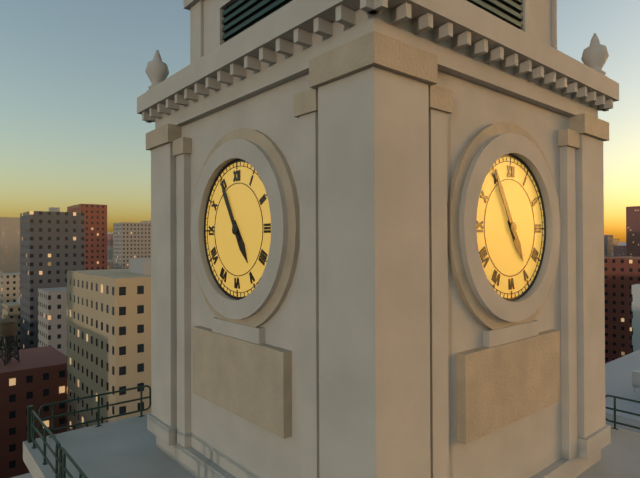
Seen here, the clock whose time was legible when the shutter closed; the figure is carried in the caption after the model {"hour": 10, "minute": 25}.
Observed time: {"hour": 4, "minute": 55}
